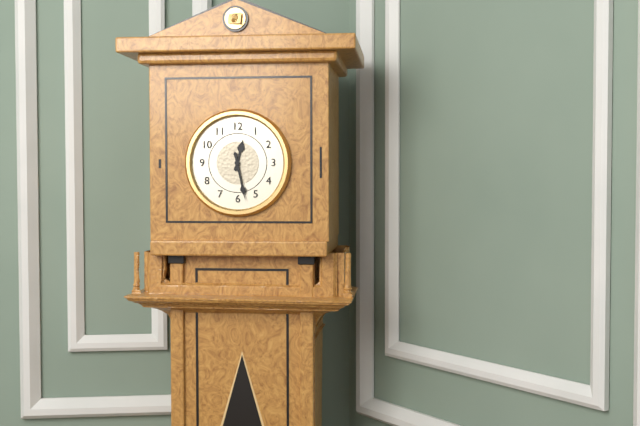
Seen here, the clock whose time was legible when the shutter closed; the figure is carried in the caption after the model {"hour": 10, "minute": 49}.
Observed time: {"hour": 12, "minute": 28}
